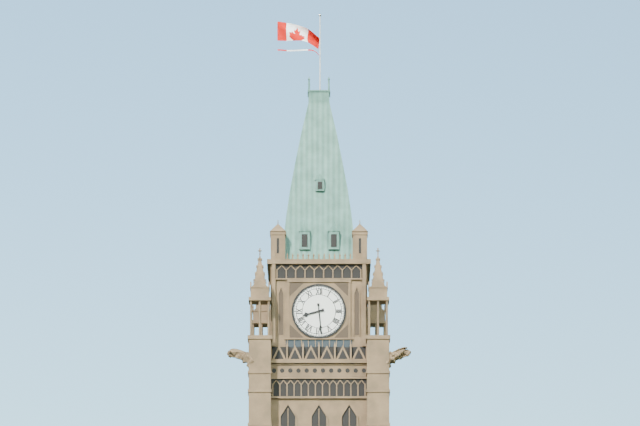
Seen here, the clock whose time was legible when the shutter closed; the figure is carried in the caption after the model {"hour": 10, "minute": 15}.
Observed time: {"hour": 8, "minute": 29}
